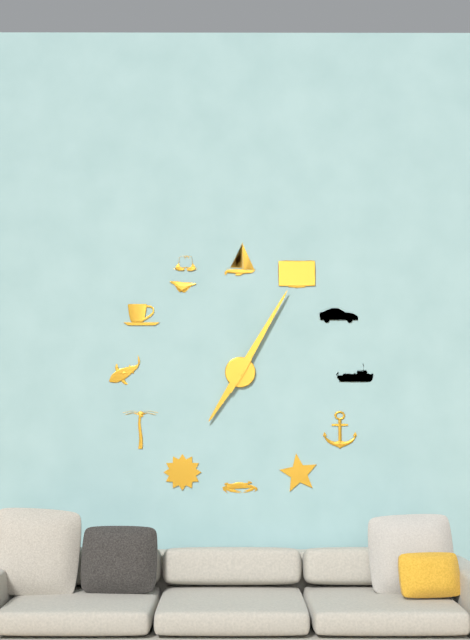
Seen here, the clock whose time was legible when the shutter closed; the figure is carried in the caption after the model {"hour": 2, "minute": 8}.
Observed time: {"hour": 7, "minute": 5}
